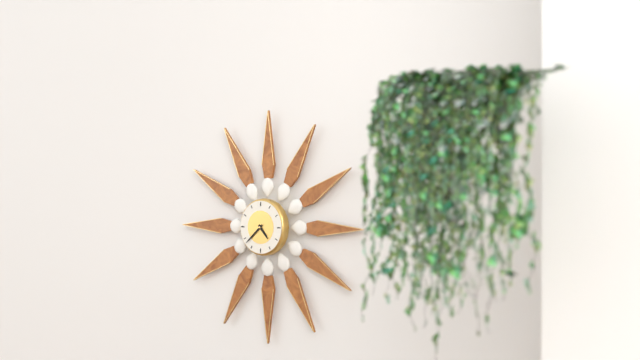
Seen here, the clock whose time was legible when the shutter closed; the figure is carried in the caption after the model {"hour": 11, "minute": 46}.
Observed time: {"hour": 4, "minute": 38}
